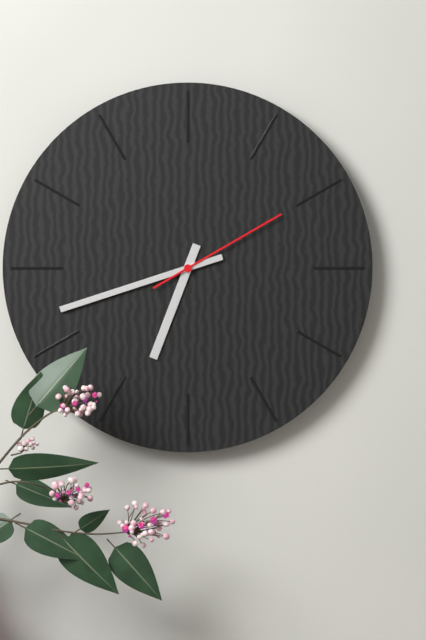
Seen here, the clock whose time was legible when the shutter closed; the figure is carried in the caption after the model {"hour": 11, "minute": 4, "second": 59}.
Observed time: {"hour": 6, "minute": 42, "second": 10}
